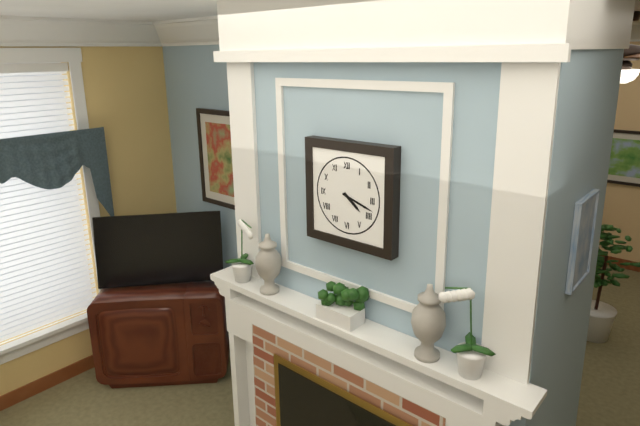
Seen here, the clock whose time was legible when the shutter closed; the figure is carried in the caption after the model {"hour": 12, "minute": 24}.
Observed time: {"hour": 4, "minute": 18}
